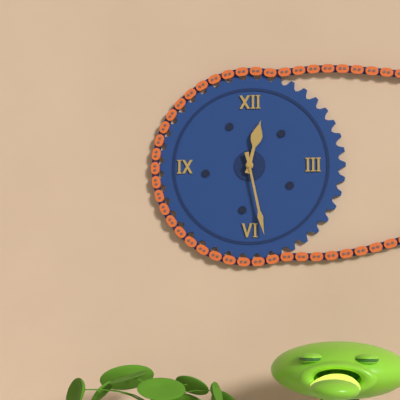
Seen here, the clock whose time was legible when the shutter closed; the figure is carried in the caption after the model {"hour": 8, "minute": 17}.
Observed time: {"hour": 12, "minute": 28}
